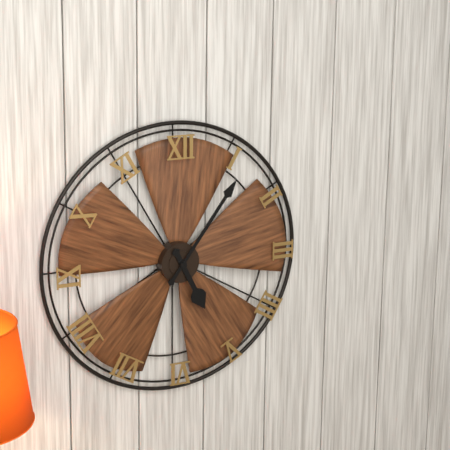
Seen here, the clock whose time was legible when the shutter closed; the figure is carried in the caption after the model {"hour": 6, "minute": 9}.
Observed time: {"hour": 5, "minute": 6}
